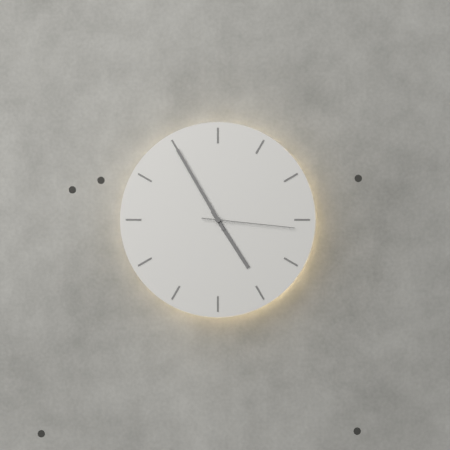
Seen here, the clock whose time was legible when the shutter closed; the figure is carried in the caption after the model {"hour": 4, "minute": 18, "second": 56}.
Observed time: {"hour": 4, "minute": 55, "second": 16}
